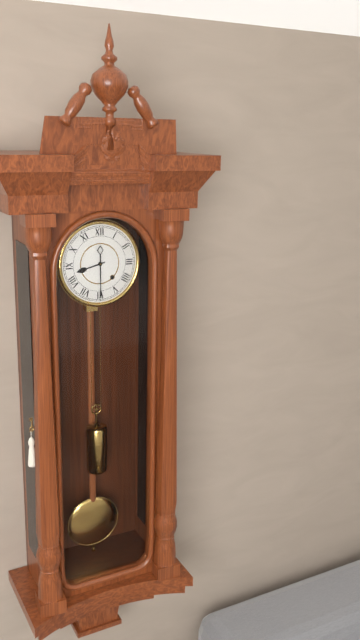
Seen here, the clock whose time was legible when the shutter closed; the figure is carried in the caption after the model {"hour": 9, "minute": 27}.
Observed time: {"hour": 8, "minute": 30}
